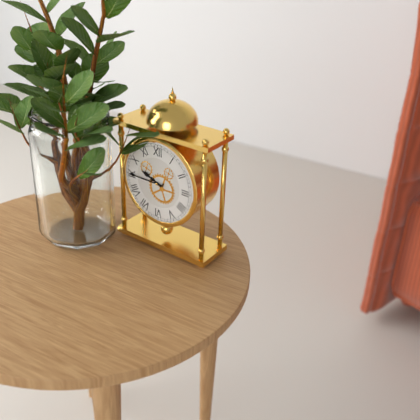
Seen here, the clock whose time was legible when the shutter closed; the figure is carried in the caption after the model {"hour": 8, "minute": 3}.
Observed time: {"hour": 9, "minute": 45}
